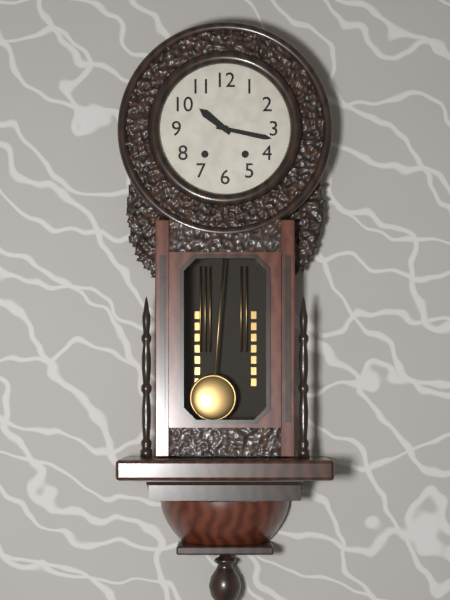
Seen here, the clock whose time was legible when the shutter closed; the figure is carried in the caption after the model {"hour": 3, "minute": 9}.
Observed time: {"hour": 10, "minute": 17}
